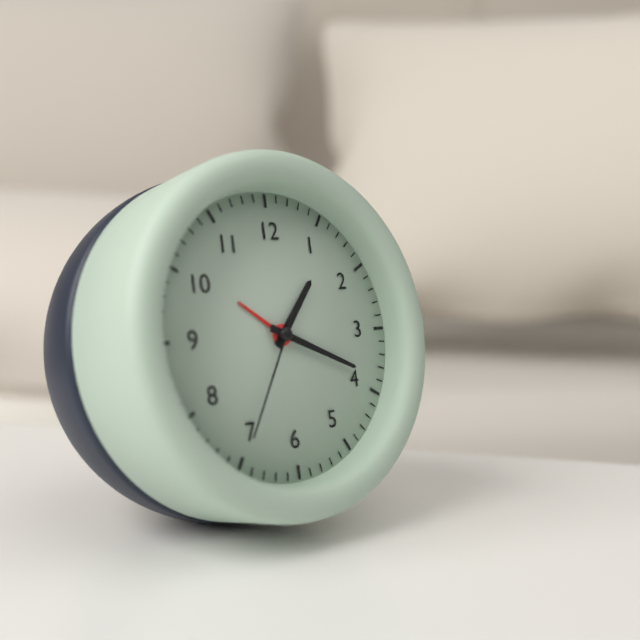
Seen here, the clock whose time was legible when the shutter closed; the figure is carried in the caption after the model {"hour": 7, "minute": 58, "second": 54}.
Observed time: {"hour": 1, "minute": 19, "second": 35}
